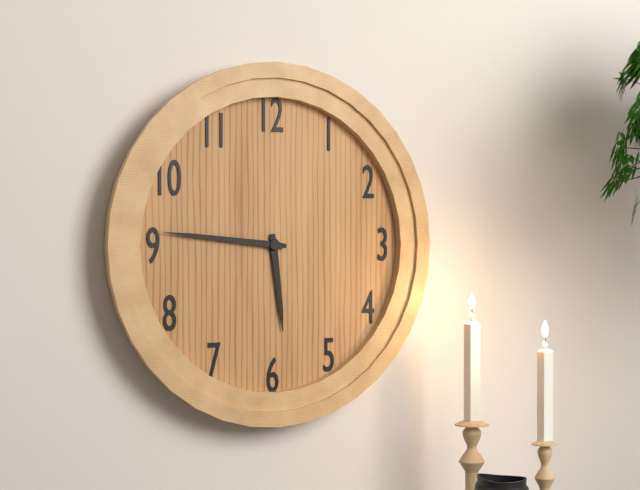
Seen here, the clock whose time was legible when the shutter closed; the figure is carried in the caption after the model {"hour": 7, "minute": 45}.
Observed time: {"hour": 5, "minute": 46}
